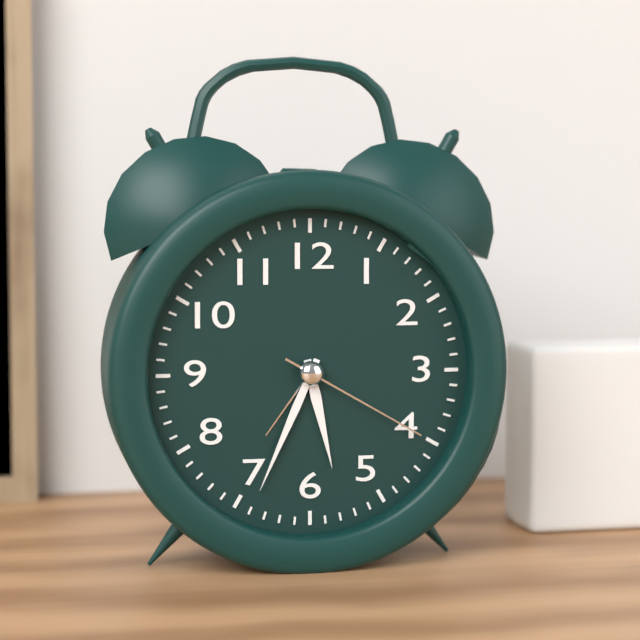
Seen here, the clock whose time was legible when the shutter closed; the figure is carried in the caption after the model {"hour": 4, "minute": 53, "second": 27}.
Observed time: {"hour": 5, "minute": 34, "second": 20}
